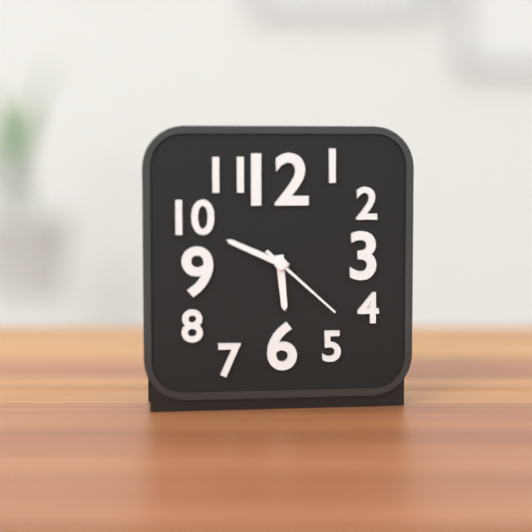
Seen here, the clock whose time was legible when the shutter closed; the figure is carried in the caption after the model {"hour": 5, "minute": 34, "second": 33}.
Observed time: {"hour": 5, "minute": 49, "second": 22}
